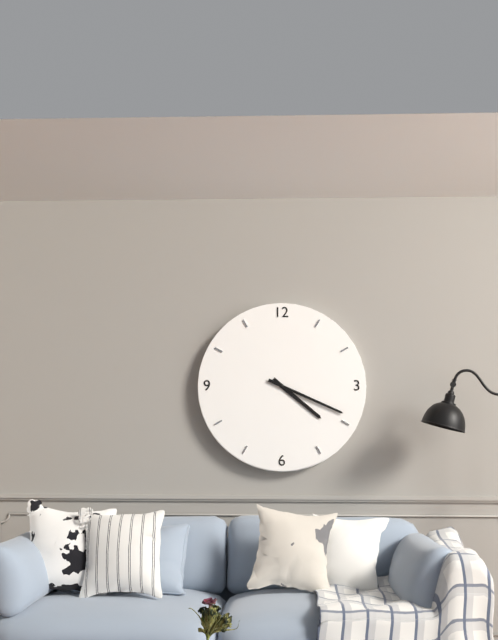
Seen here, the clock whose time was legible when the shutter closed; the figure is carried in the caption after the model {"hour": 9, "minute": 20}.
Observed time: {"hour": 4, "minute": 19}
